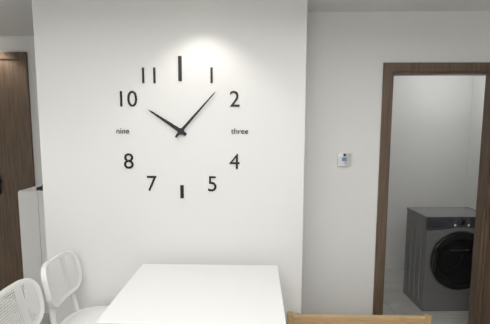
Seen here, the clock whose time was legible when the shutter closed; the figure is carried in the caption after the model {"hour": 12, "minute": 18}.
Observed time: {"hour": 10, "minute": 7}
